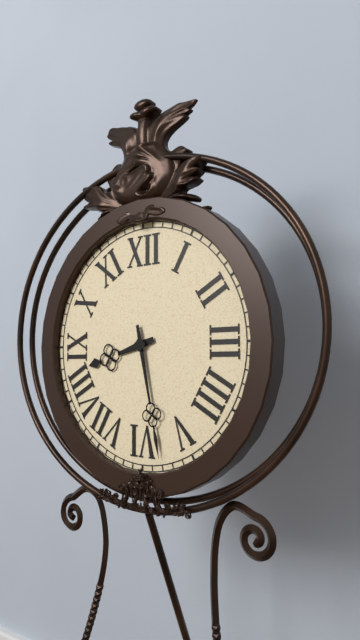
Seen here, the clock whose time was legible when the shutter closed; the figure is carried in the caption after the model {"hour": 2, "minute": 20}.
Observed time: {"hour": 8, "minute": 28}
